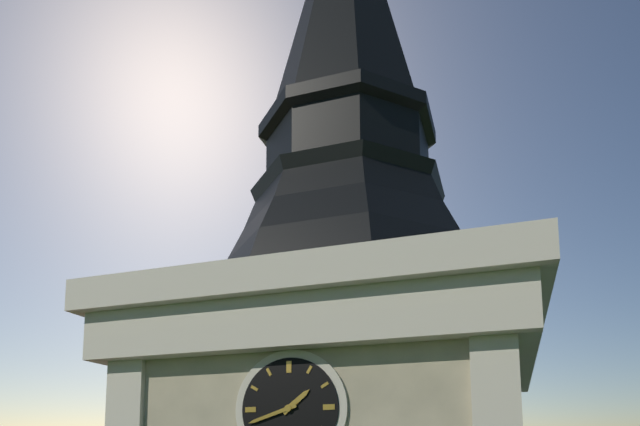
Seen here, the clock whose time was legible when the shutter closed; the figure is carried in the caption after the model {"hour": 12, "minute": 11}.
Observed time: {"hour": 1, "minute": 42}
